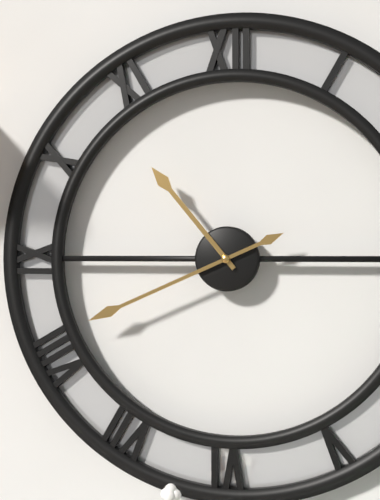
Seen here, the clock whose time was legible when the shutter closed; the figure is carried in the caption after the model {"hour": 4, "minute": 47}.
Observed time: {"hour": 10, "minute": 41}
